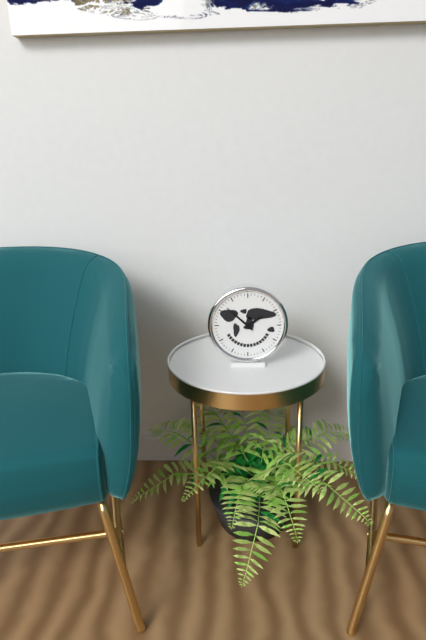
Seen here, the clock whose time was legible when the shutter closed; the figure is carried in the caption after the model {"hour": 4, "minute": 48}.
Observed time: {"hour": 1, "minute": 52}
